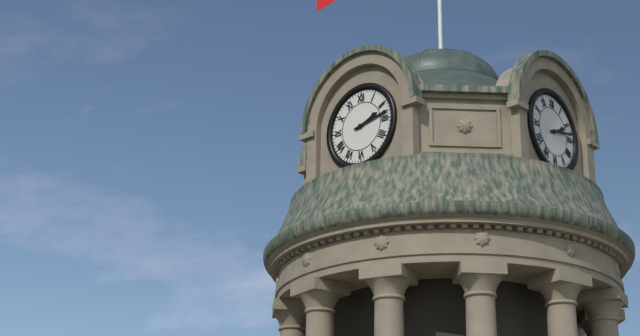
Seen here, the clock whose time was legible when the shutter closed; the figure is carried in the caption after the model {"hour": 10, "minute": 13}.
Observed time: {"hour": 2, "minute": 13}
